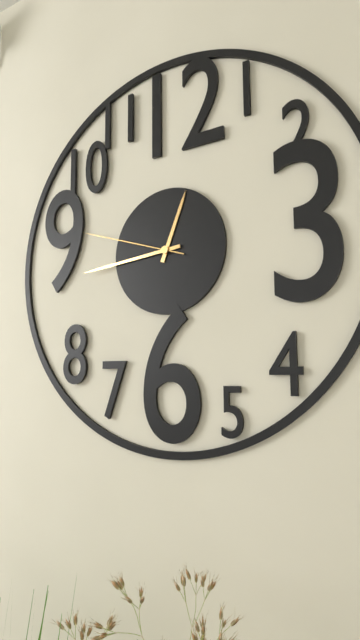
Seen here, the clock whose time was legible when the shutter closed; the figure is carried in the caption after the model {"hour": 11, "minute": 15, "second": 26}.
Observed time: {"hour": 12, "minute": 44, "second": 48}
